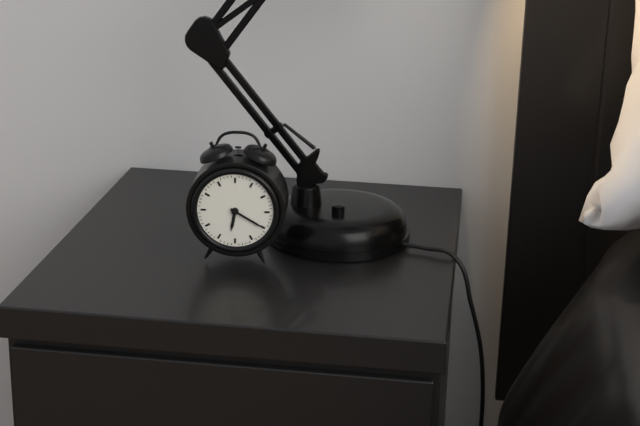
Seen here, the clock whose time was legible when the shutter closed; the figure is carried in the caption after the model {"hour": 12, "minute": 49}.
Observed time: {"hour": 6, "minute": 20}
